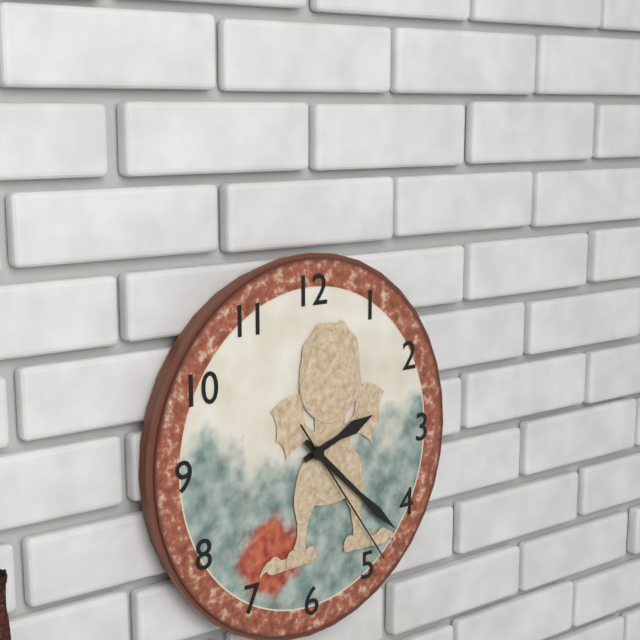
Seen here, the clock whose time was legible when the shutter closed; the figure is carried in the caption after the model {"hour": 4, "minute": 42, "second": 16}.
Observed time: {"hour": 2, "minute": 22, "second": 24}
